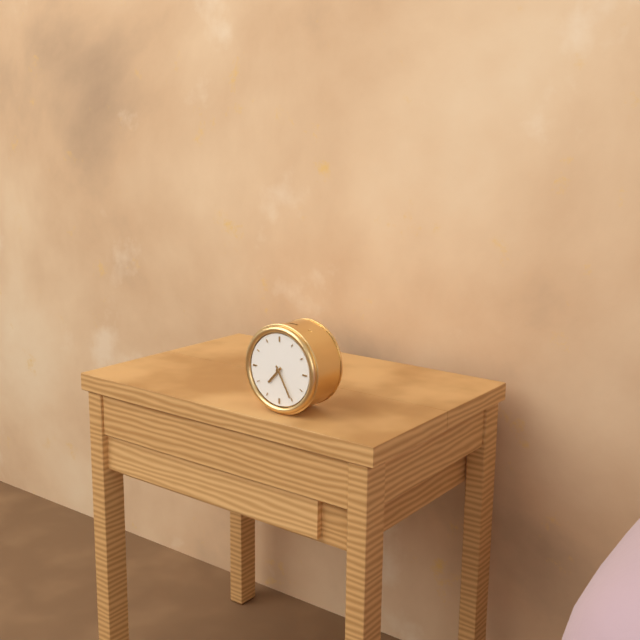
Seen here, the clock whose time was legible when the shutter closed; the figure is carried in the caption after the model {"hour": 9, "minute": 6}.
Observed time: {"hour": 7, "minute": 25}
